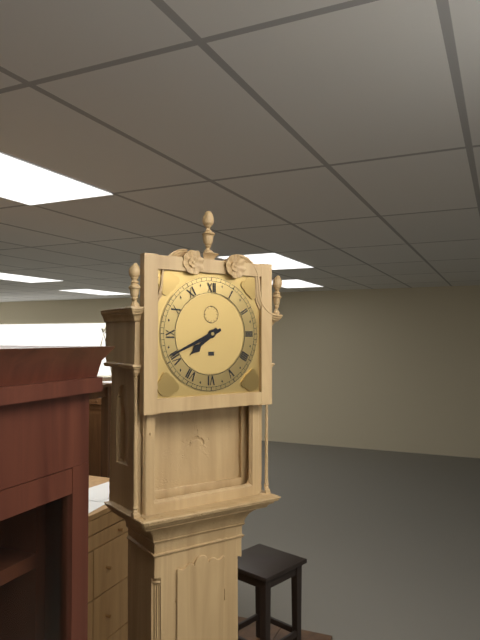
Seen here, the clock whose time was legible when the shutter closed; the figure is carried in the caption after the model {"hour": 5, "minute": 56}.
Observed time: {"hour": 7, "minute": 41}
